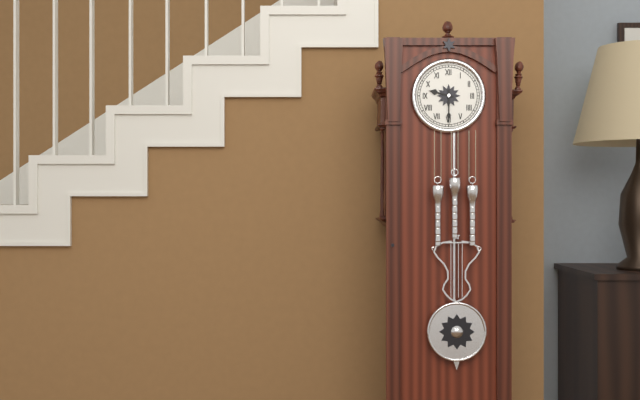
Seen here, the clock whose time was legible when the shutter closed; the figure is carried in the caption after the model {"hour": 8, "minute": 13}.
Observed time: {"hour": 9, "minute": 30}
